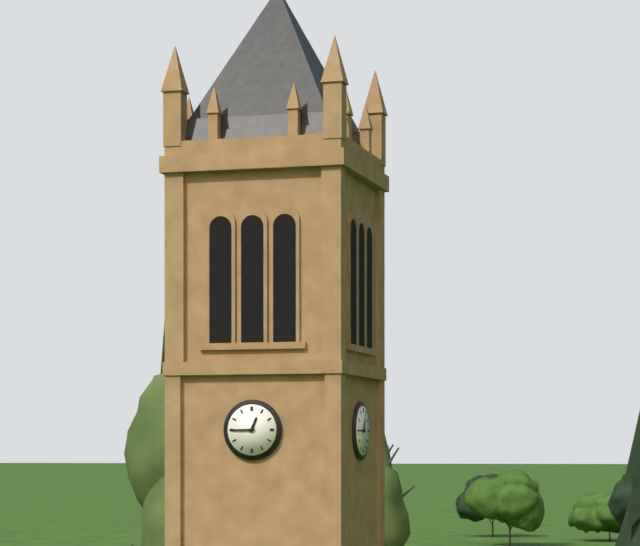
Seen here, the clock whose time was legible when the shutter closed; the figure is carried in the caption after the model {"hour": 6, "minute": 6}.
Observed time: {"hour": 12, "minute": 45}
